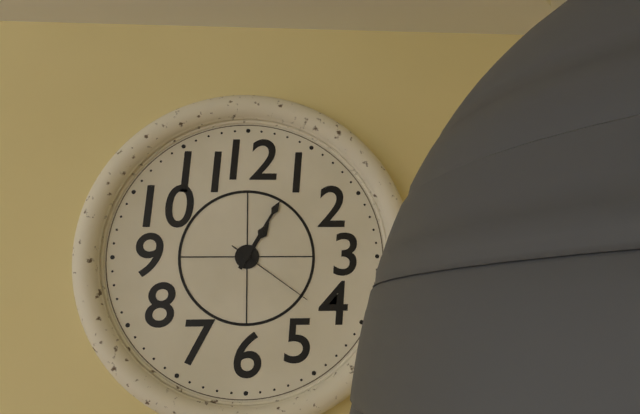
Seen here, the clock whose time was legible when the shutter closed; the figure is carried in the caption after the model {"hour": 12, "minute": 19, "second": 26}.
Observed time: {"hour": 1, "minute": 5, "second": 21}
